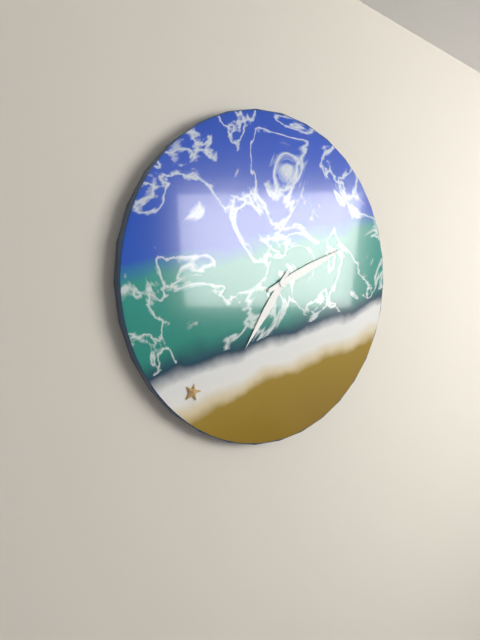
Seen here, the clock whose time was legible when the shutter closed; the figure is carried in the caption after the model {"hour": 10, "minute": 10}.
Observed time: {"hour": 7, "minute": 11}
